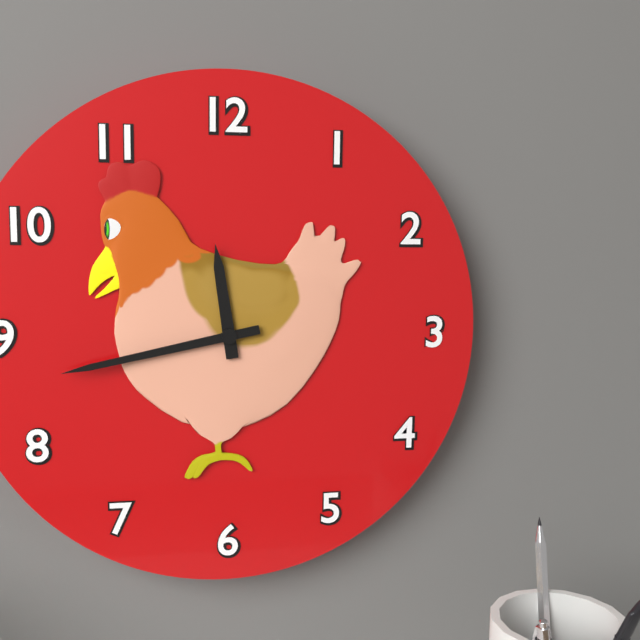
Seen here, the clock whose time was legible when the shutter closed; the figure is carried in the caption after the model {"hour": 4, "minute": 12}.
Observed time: {"hour": 11, "minute": 43}
